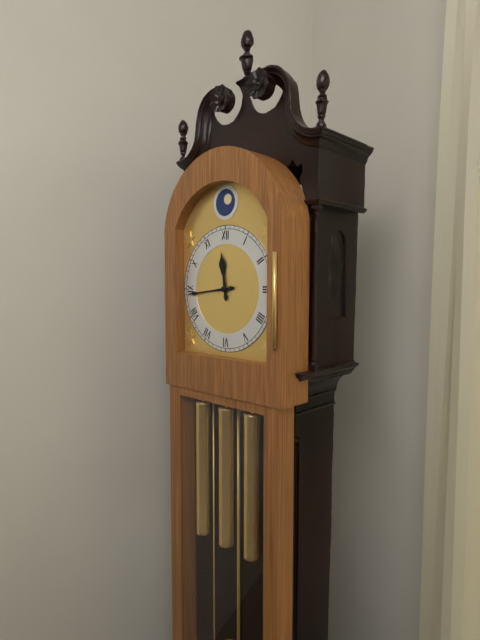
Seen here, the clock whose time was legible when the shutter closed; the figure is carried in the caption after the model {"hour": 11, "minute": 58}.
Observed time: {"hour": 11, "minute": 44}
